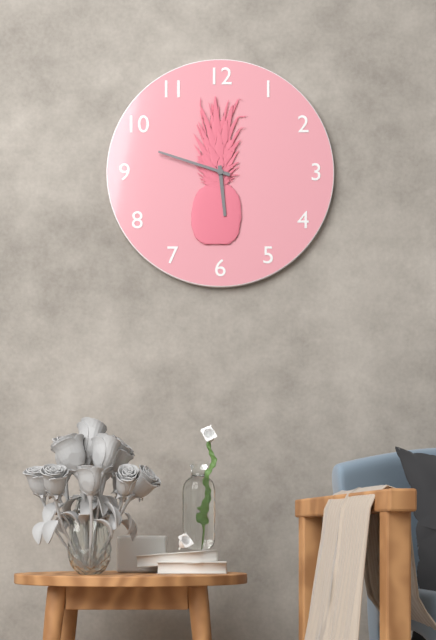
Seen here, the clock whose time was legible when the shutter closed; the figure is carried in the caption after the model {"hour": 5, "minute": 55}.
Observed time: {"hour": 5, "minute": 48}
